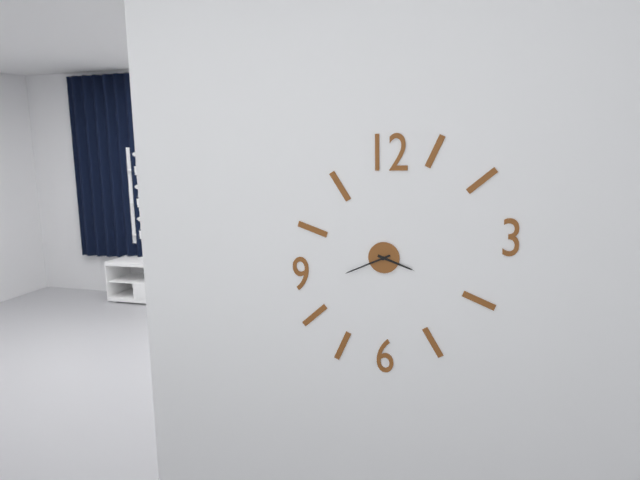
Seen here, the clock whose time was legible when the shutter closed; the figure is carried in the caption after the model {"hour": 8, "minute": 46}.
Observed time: {"hour": 3, "minute": 41}
